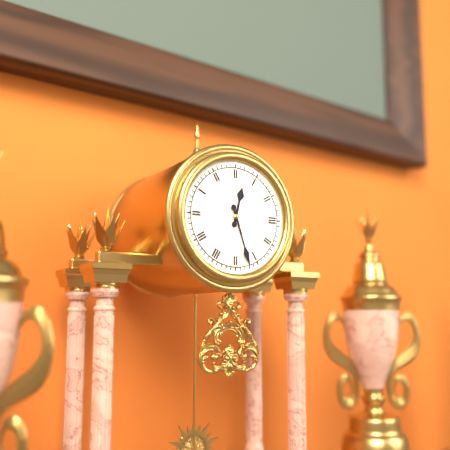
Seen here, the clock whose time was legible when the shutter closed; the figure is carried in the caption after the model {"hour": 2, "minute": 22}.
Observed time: {"hour": 12, "minute": 27}
